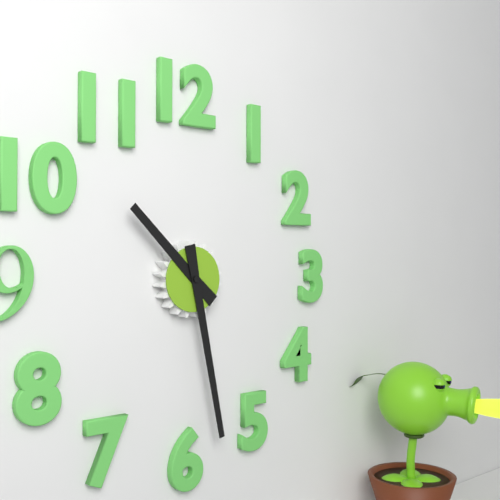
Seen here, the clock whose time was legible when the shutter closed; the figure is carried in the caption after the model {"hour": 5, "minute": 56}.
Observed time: {"hour": 10, "minute": 28}
